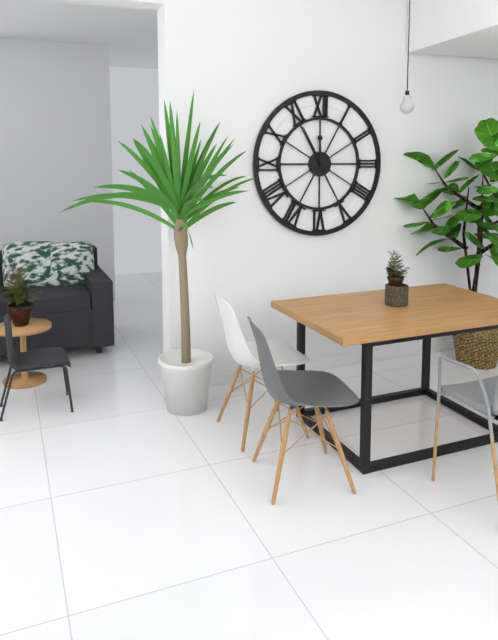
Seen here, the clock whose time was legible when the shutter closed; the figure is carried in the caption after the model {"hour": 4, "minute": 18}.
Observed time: {"hour": 11, "minute": 55}
